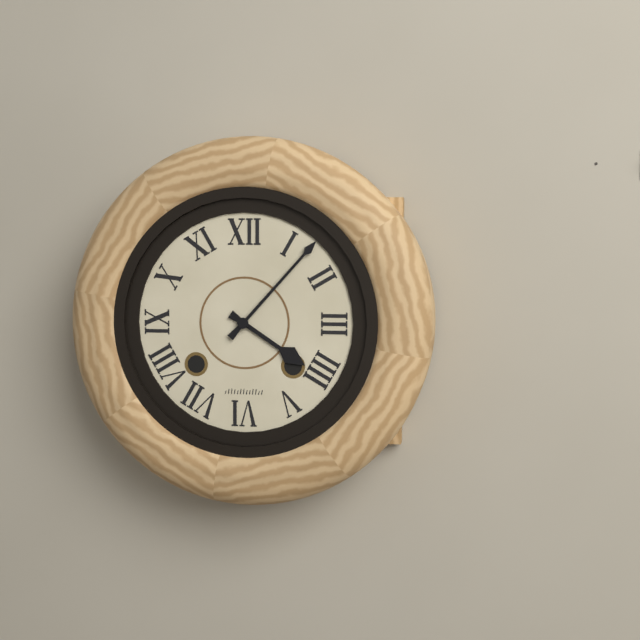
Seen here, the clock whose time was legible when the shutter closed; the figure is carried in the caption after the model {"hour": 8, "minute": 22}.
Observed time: {"hour": 4, "minute": 7}
